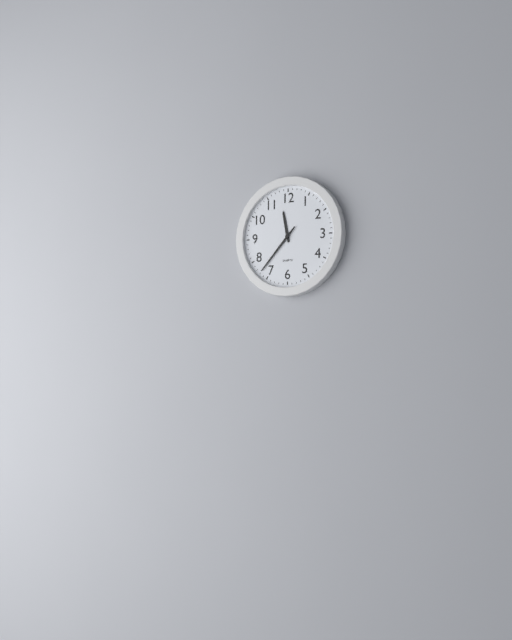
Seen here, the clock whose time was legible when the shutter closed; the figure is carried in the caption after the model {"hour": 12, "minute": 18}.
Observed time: {"hour": 11, "minute": 37}
